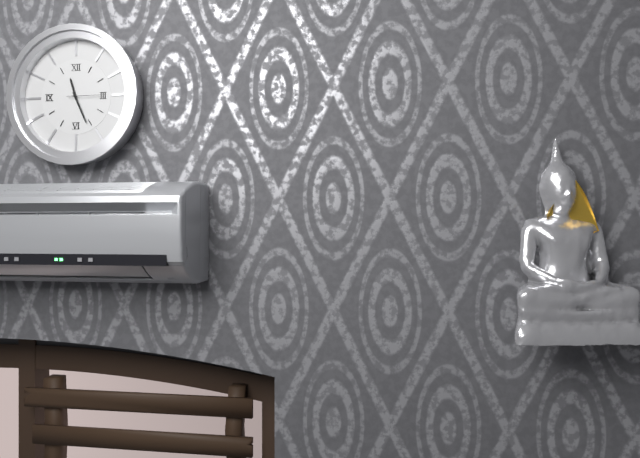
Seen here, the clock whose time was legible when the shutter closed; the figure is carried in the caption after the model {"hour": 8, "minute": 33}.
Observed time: {"hour": 11, "minute": 26}
